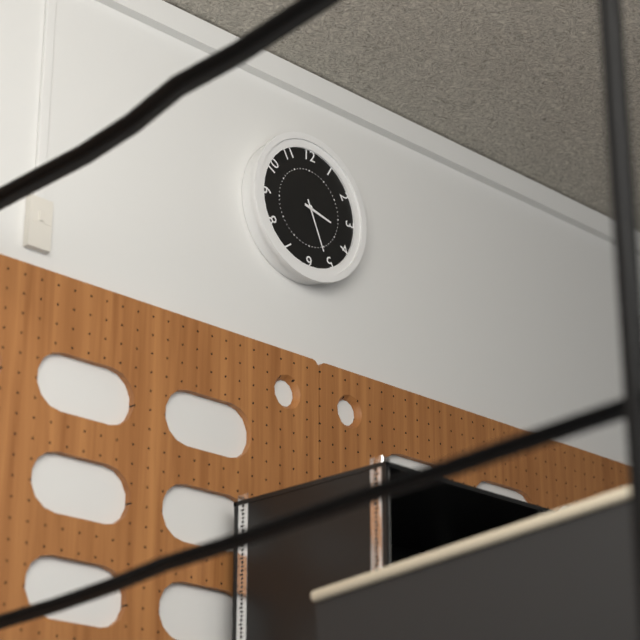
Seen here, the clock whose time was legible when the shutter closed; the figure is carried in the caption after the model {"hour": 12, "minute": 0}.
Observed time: {"hour": 3, "minute": 26}
